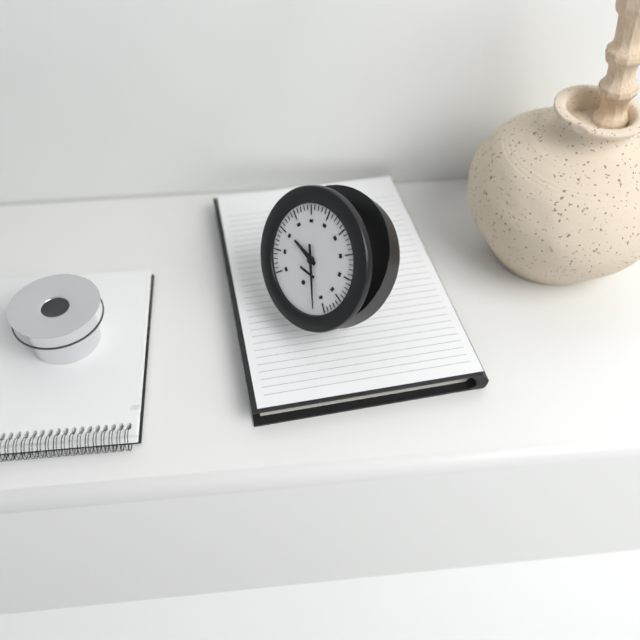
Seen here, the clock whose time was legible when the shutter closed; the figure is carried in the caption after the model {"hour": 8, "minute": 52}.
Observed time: {"hour": 9, "minute": 25}
